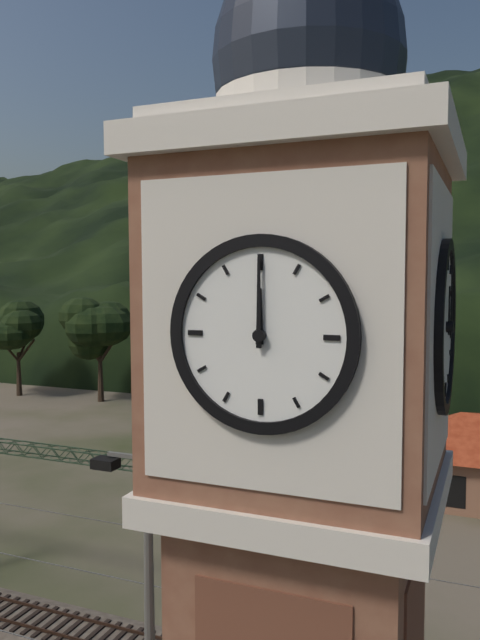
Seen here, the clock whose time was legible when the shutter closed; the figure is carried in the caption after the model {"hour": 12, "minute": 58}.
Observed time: {"hour": 12, "minute": 0}
